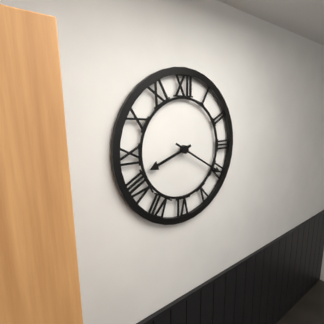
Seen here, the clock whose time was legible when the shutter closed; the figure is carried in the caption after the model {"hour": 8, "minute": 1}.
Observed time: {"hour": 8, "minute": 20}
